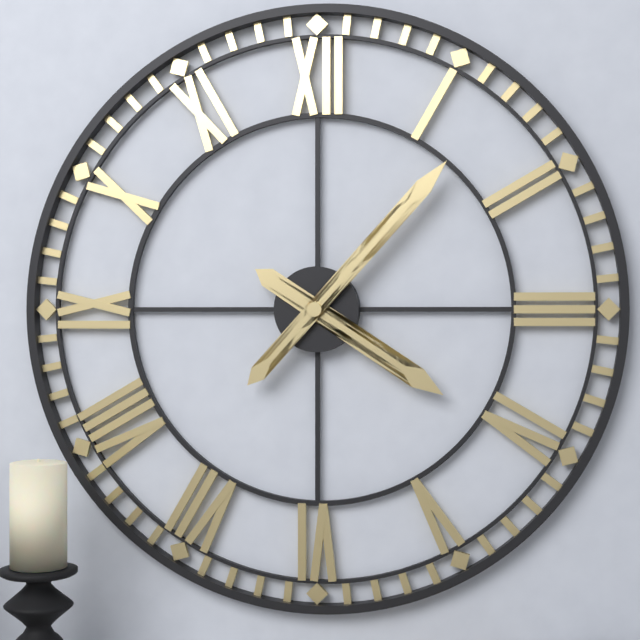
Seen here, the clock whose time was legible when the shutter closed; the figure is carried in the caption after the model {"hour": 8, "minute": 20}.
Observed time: {"hour": 4, "minute": 7}
